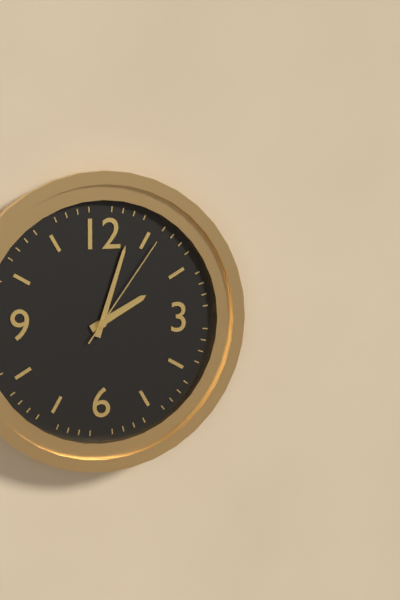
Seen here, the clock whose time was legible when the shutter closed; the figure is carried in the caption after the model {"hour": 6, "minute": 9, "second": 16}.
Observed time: {"hour": 2, "minute": 3, "second": 6}
